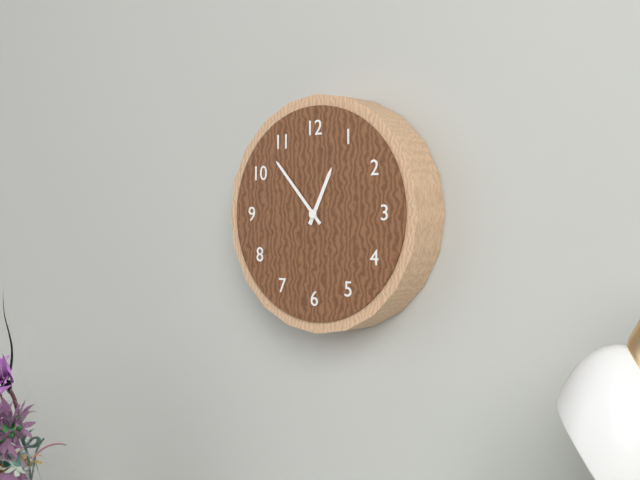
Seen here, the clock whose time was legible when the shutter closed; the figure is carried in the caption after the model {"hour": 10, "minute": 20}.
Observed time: {"hour": 12, "minute": 53}
